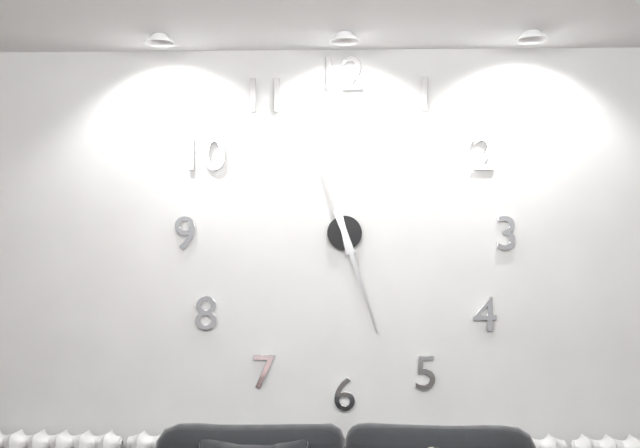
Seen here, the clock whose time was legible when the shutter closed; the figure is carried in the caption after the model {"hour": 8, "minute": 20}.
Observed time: {"hour": 11, "minute": 27}
